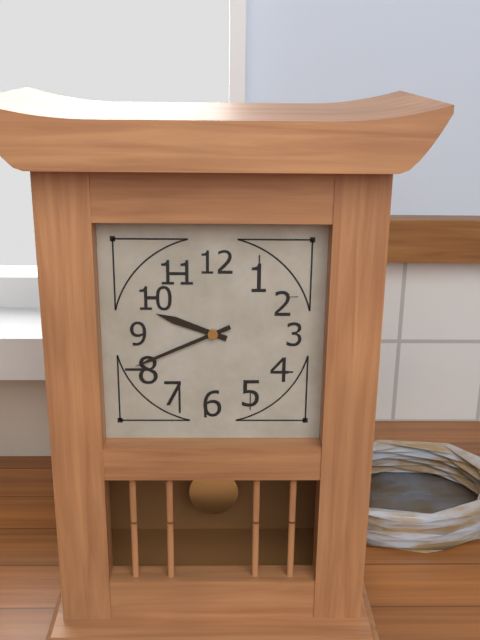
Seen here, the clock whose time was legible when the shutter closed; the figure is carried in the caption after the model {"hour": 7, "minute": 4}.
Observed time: {"hour": 9, "minute": 41}
